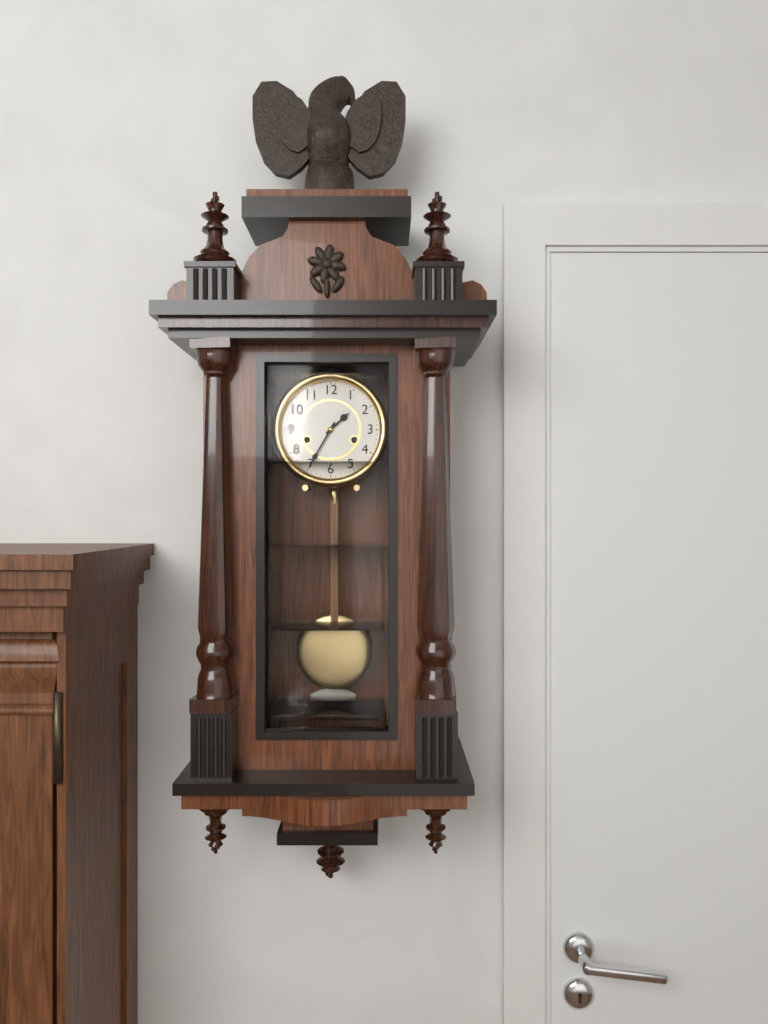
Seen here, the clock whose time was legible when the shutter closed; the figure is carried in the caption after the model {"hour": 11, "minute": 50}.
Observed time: {"hour": 1, "minute": 35}
